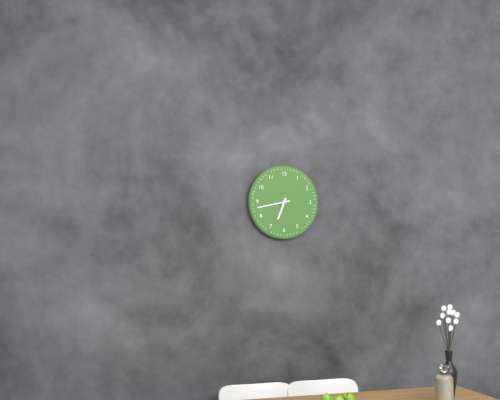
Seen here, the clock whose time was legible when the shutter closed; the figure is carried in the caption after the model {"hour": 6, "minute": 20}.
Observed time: {"hour": 6, "minute": 43}
